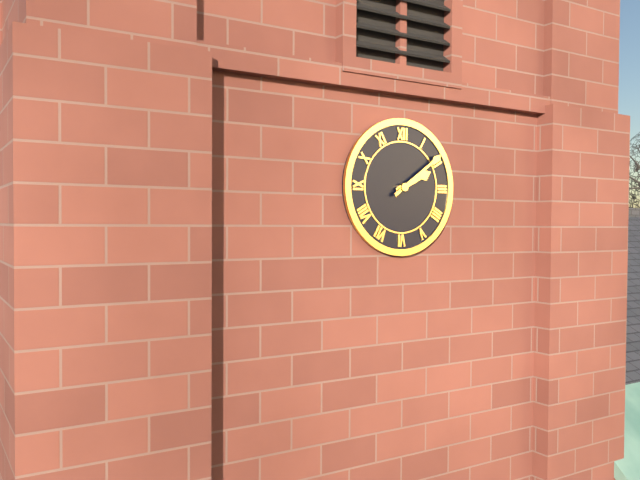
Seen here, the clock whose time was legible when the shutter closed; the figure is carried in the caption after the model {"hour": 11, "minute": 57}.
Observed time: {"hour": 2, "minute": 9}
